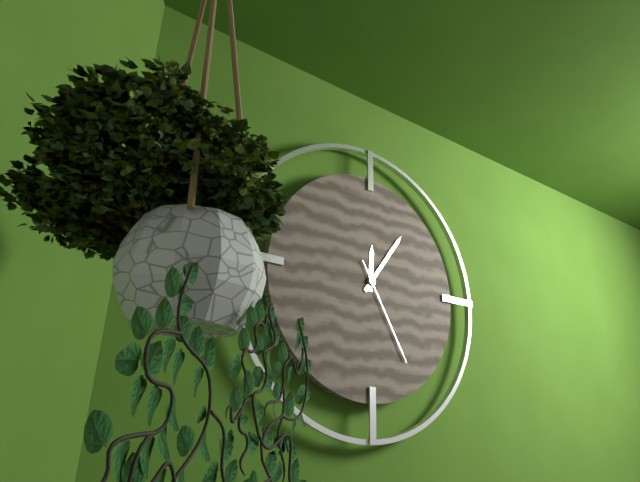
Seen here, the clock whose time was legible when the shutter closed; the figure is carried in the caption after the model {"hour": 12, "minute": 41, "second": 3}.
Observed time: {"hour": 12, "minute": 6, "second": 25}
